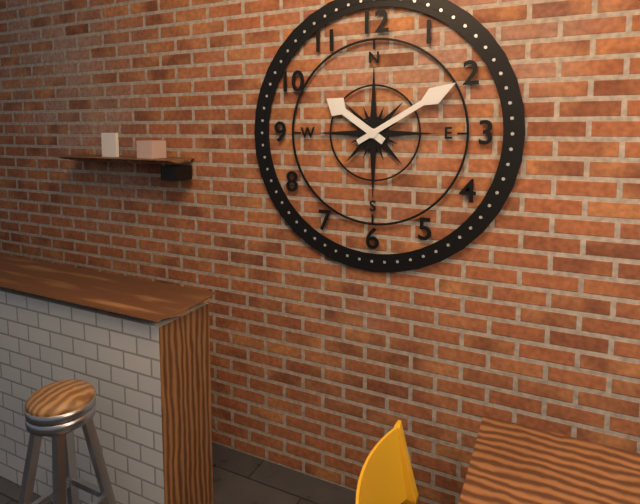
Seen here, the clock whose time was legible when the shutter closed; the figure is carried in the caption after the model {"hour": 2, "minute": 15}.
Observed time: {"hour": 10, "minute": 10}
